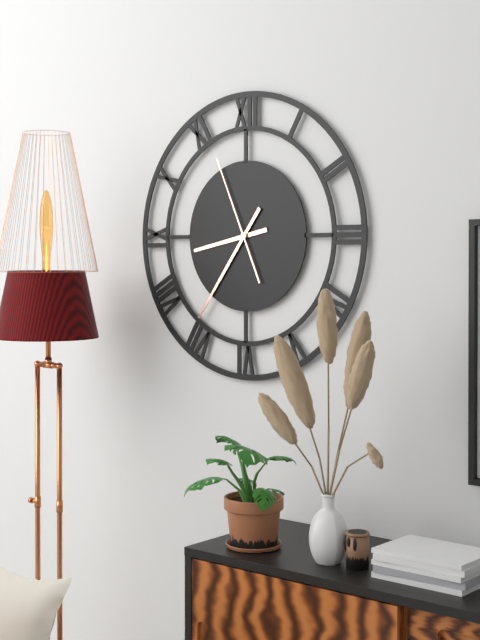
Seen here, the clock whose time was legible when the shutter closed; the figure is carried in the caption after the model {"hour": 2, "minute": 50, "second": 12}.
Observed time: {"hour": 8, "minute": 36, "second": 56}
